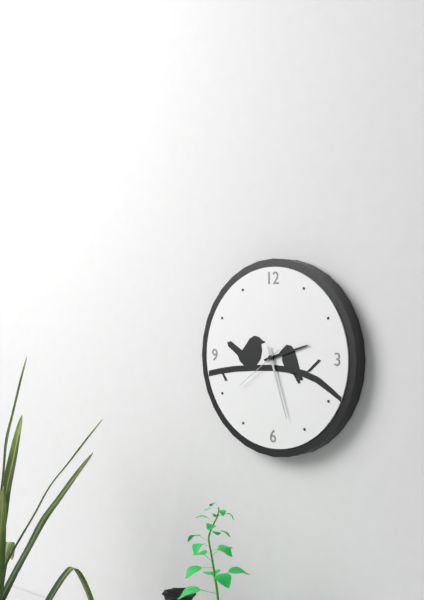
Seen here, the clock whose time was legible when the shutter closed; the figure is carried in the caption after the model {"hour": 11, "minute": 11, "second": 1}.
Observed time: {"hour": 2, "minute": 27, "second": 39}
